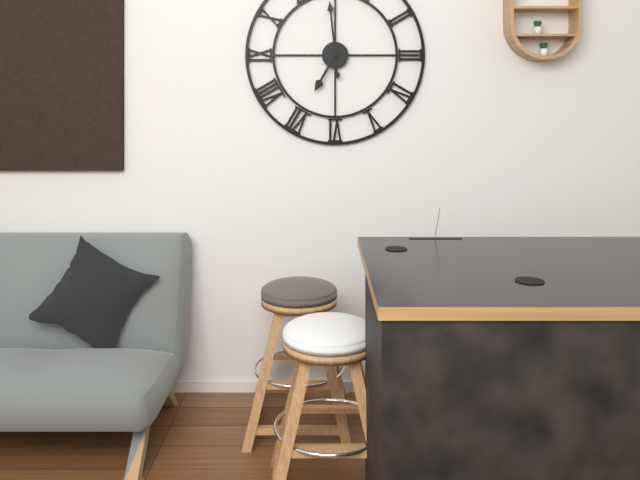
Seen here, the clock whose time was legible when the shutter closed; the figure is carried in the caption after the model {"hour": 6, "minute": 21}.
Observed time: {"hour": 6, "minute": 59}
